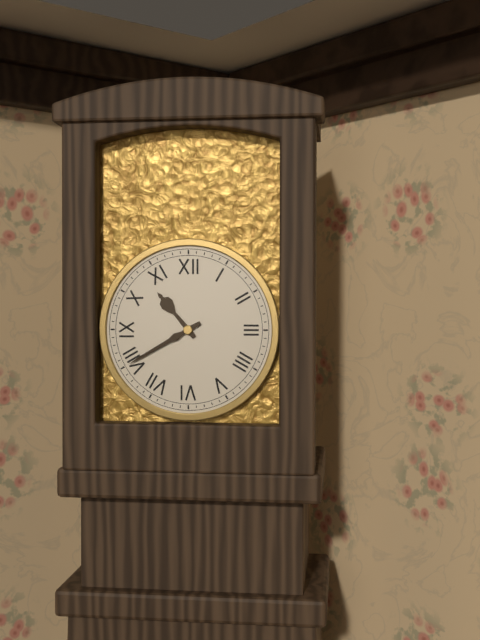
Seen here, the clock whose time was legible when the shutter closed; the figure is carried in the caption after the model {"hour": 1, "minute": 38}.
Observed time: {"hour": 10, "minute": 40}
